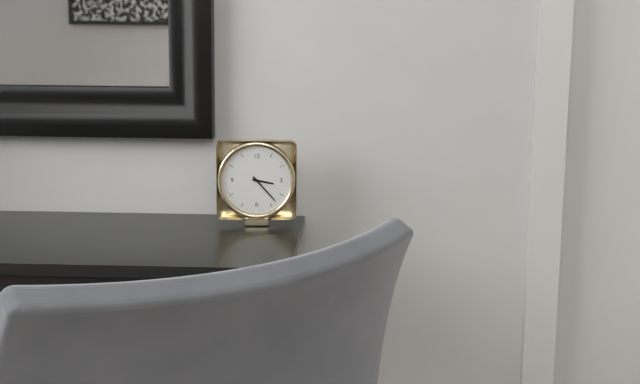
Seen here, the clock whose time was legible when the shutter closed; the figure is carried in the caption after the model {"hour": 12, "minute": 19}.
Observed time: {"hour": 3, "minute": 23}
